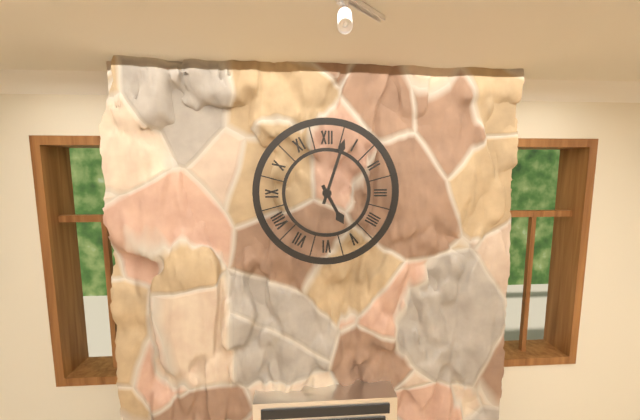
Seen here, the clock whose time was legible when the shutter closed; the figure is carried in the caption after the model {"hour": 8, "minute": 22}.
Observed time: {"hour": 5, "minute": 3}
